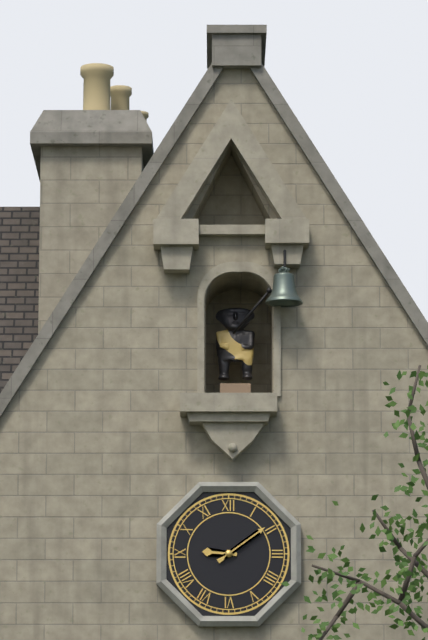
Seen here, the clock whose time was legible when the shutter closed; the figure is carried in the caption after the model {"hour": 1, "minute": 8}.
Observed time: {"hour": 9, "minute": 9}
